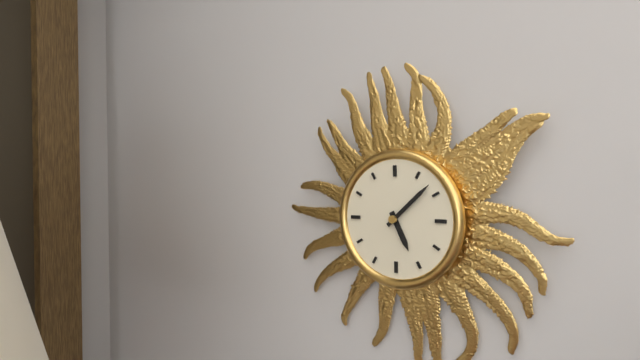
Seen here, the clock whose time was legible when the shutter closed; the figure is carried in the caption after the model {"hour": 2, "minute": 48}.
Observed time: {"hour": 5, "minute": 8}
